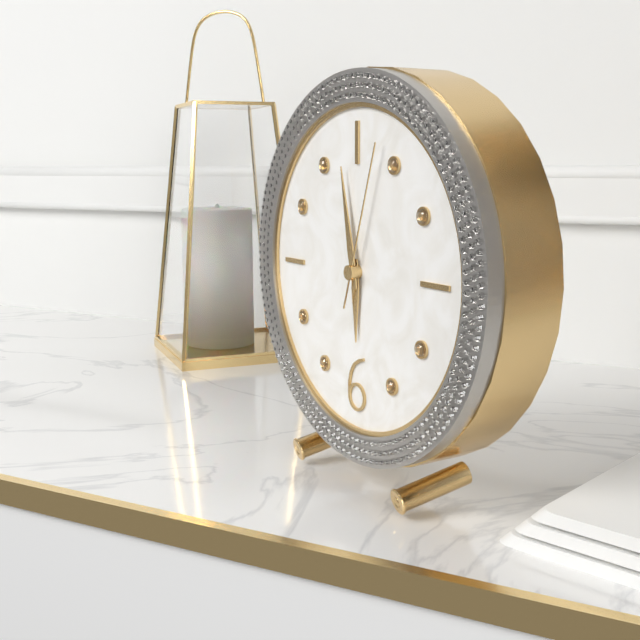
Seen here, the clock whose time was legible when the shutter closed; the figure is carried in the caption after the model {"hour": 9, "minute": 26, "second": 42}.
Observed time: {"hour": 5, "minute": 58, "second": 3}
